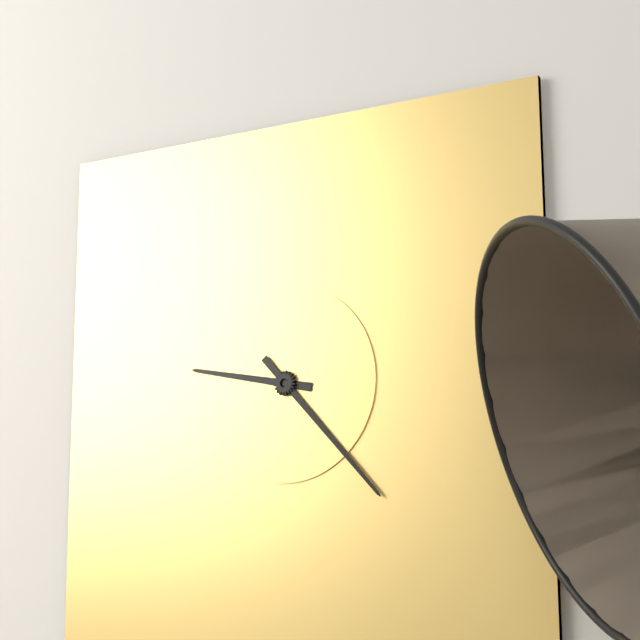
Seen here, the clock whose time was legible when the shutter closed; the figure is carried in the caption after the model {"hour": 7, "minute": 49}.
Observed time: {"hour": 9, "minute": 23}
